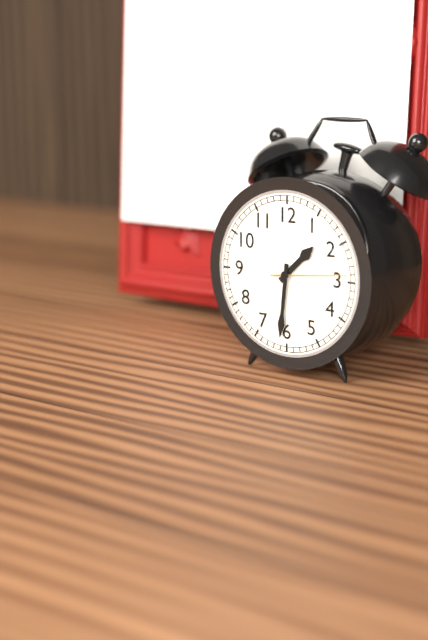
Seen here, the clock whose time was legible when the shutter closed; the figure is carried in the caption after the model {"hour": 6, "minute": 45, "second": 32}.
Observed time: {"hour": 1, "minute": 31, "second": 14}
